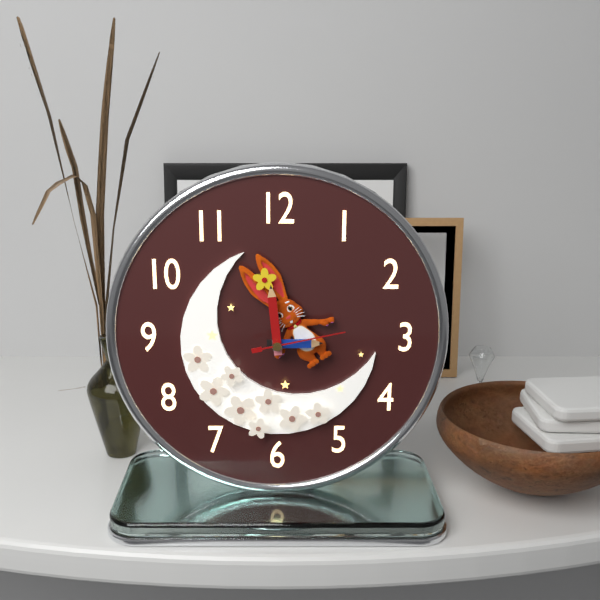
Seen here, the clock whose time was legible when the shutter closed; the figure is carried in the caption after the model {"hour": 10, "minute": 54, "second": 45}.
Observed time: {"hour": 2, "minute": 59, "second": 13}
